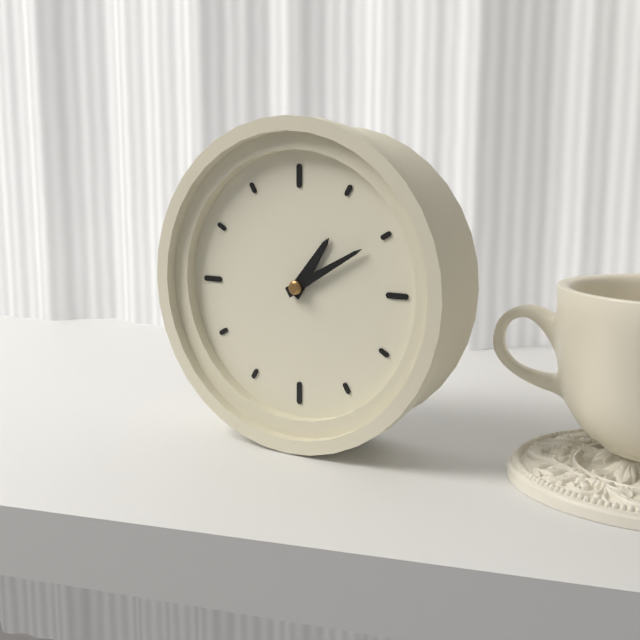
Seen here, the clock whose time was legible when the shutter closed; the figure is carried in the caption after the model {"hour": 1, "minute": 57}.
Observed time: {"hour": 1, "minute": 10}
